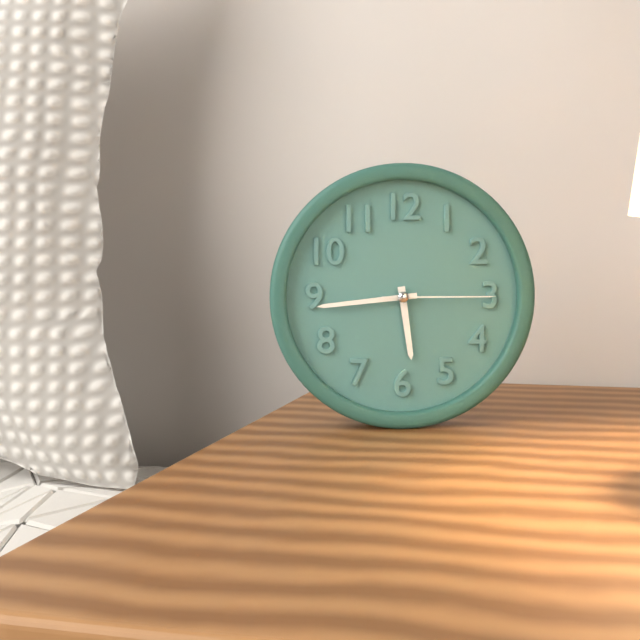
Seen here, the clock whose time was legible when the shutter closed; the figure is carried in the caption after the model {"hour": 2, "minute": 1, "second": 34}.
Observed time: {"hour": 5, "minute": 44, "second": 15}
